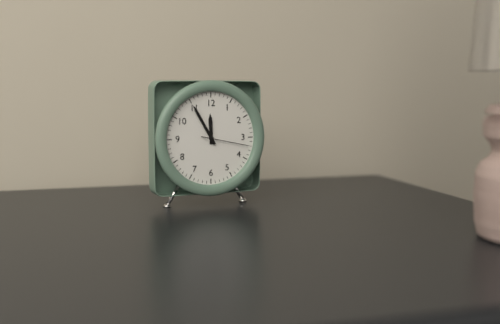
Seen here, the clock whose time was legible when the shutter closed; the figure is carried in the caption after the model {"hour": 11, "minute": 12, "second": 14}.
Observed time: {"hour": 11, "minute": 55, "second": 17}
